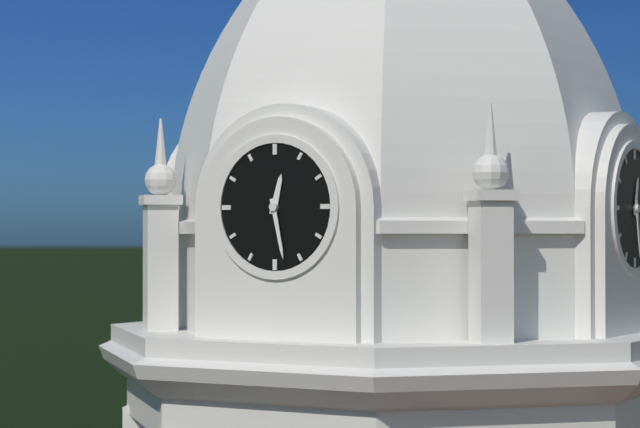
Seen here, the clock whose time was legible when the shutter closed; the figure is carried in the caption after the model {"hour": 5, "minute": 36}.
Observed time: {"hour": 12, "minute": 28}
